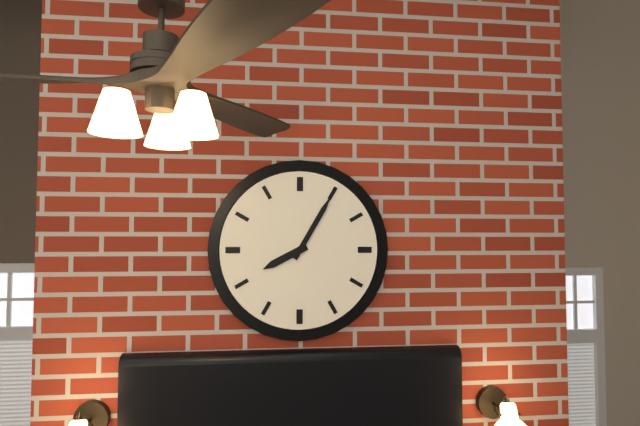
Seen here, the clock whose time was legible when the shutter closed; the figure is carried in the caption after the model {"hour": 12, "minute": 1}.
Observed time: {"hour": 8, "minute": 5}
